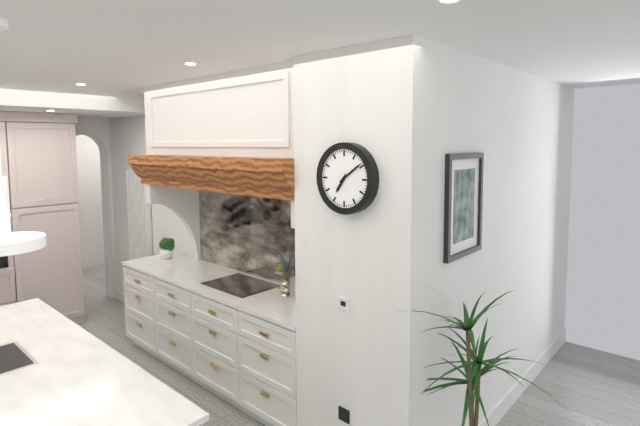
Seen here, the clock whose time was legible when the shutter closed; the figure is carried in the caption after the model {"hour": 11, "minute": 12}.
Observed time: {"hour": 7, "minute": 9}
